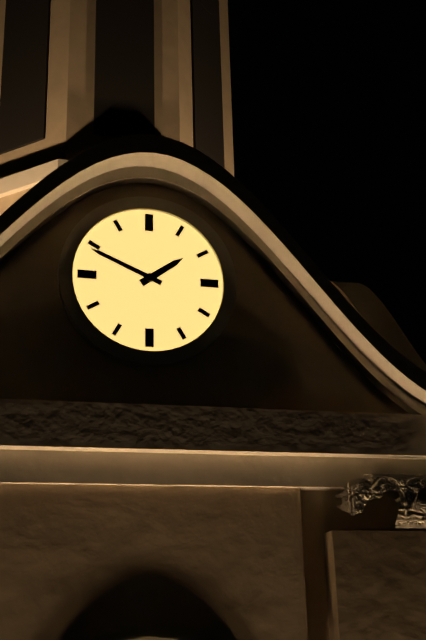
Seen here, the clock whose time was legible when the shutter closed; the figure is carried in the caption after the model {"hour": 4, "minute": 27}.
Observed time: {"hour": 1, "minute": 49}
